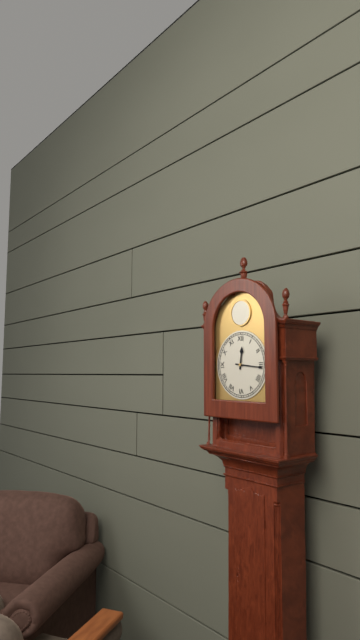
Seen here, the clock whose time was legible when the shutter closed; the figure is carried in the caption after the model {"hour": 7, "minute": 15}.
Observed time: {"hour": 12, "minute": 16}
